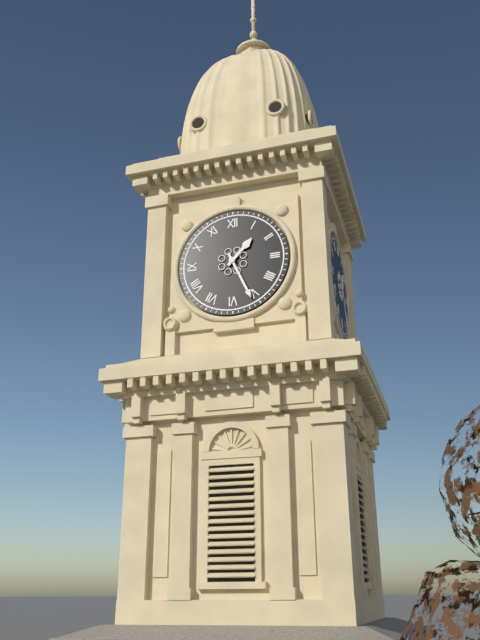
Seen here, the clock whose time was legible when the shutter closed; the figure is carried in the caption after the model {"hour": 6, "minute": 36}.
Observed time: {"hour": 1, "minute": 26}
